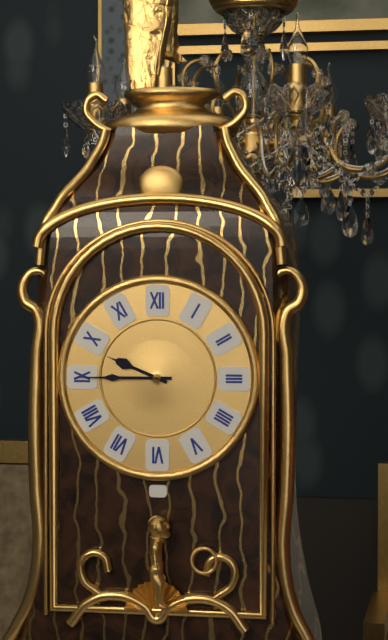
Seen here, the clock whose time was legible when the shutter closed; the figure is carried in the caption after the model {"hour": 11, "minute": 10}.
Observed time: {"hour": 9, "minute": 45}
